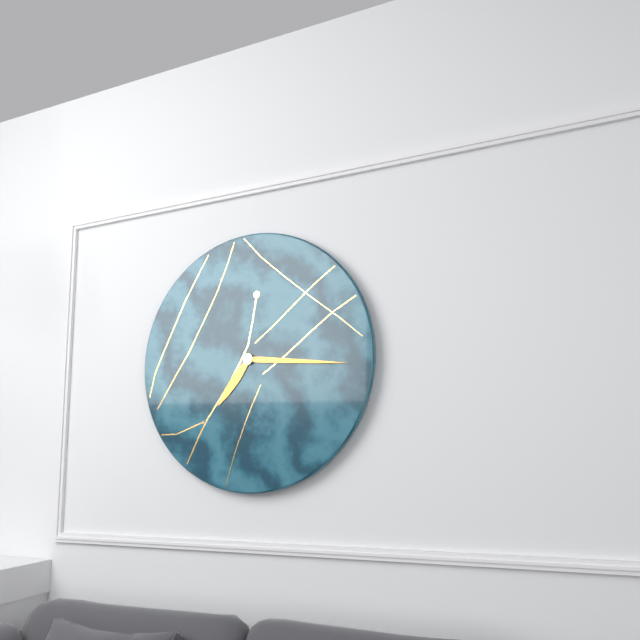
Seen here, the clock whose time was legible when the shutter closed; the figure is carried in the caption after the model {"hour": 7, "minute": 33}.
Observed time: {"hour": 7, "minute": 16}
